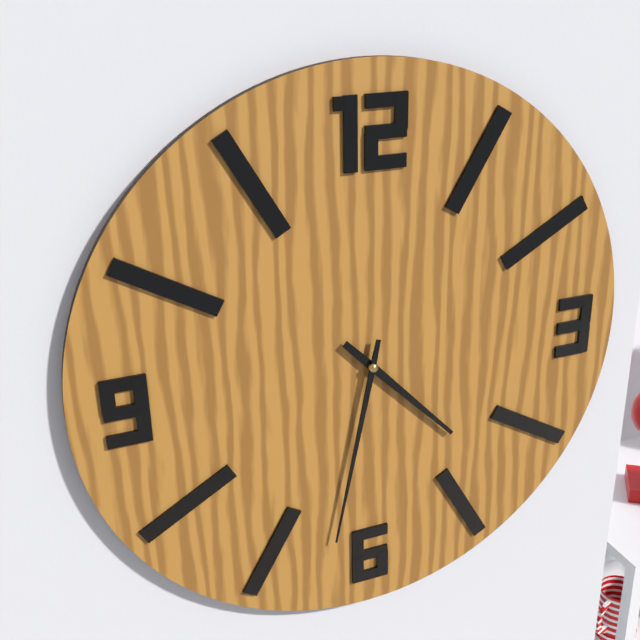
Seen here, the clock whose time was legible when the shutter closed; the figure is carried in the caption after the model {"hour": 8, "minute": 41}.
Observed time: {"hour": 4, "minute": 32}
